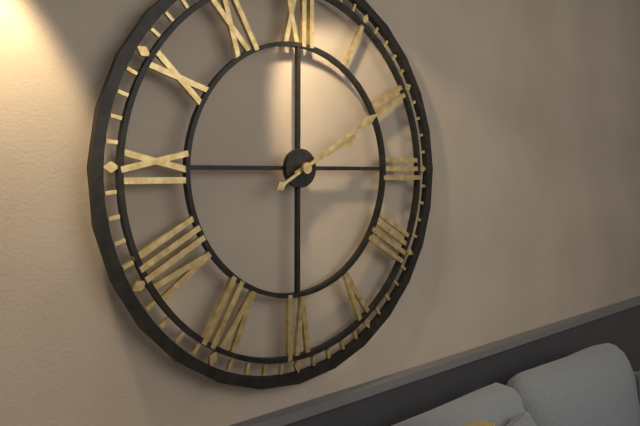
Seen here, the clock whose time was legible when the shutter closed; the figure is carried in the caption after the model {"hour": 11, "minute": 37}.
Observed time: {"hour": 2, "minute": 10}
